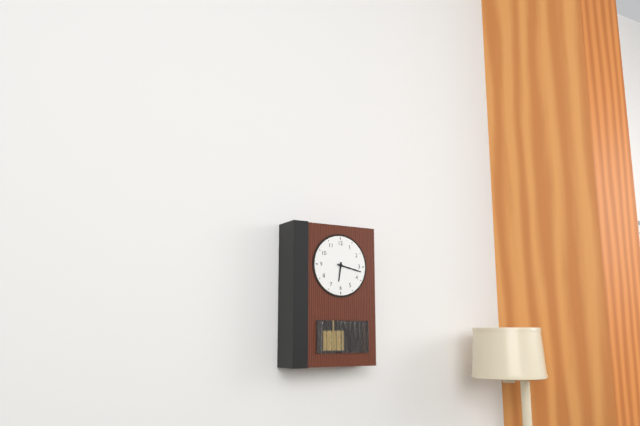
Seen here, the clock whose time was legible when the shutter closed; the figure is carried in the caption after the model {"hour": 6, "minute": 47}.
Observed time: {"hour": 6, "minute": 17}
